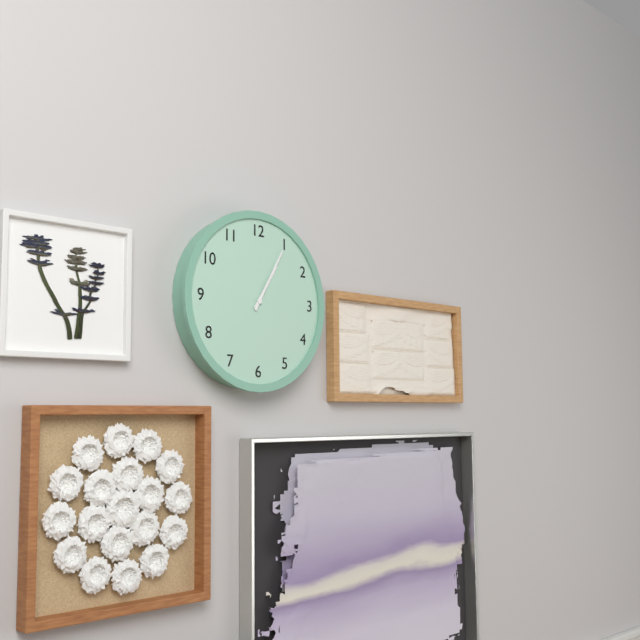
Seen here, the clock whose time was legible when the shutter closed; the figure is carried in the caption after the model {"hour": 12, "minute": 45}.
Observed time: {"hour": 1, "minute": 5}
